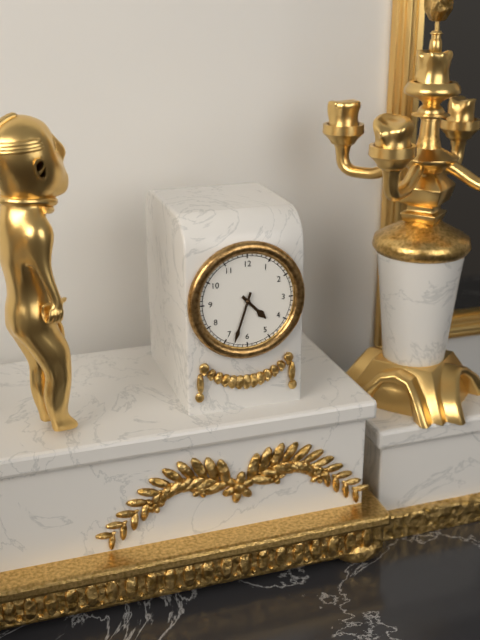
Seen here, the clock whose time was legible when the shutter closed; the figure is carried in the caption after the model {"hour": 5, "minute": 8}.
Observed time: {"hour": 4, "minute": 33}
